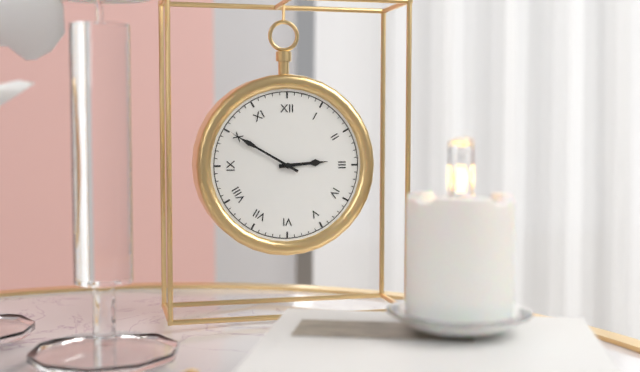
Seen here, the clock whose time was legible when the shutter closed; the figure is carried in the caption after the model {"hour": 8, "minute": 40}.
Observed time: {"hour": 2, "minute": 50}
